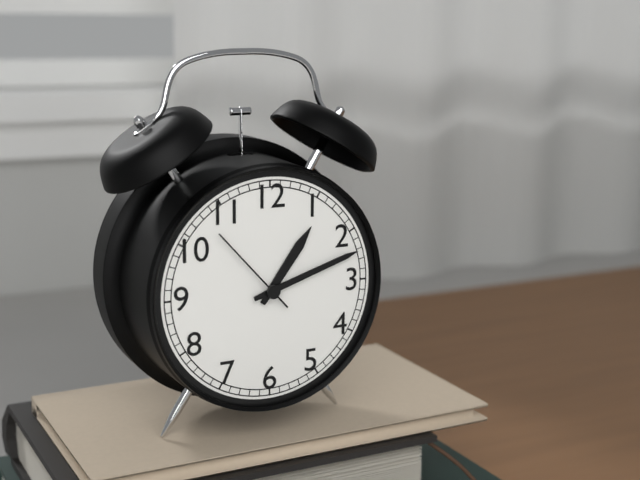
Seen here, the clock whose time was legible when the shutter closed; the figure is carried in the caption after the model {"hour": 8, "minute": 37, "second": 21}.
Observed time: {"hour": 1, "minute": 12, "second": 53}
